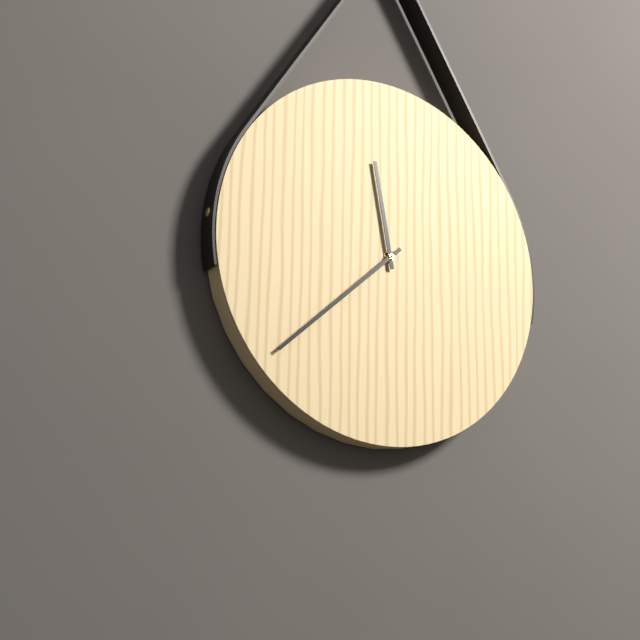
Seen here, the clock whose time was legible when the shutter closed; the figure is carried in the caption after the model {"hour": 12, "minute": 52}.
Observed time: {"hour": 11, "minute": 38}
